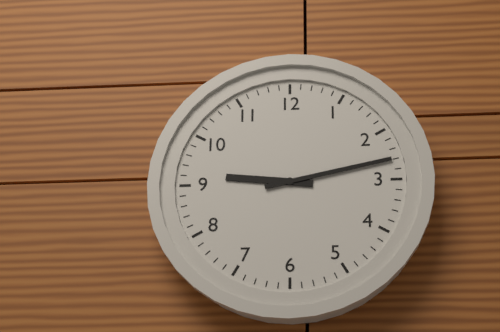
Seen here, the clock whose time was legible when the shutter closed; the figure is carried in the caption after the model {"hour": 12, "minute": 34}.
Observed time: {"hour": 9, "minute": 13}
